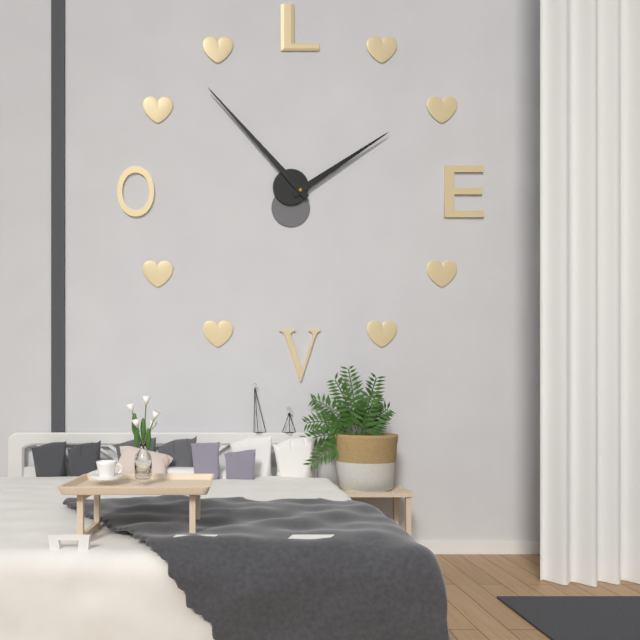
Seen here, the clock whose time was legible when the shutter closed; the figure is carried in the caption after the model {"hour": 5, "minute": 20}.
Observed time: {"hour": 1, "minute": 53}
